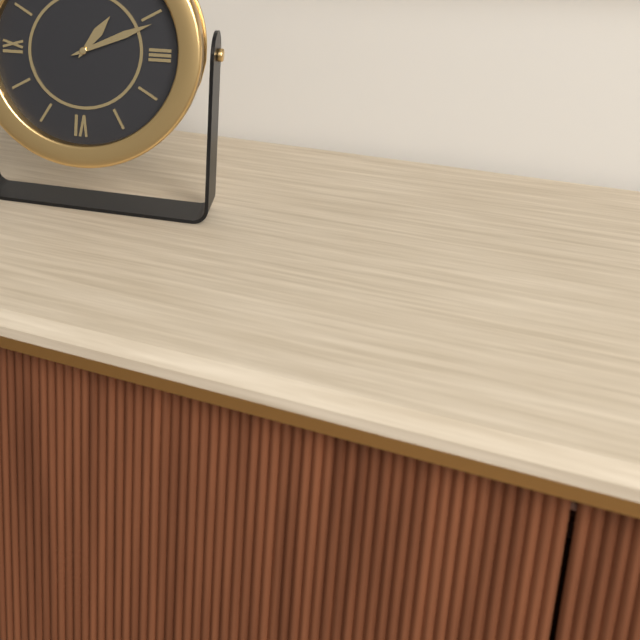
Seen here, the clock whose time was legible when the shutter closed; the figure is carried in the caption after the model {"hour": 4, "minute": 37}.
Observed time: {"hour": 1, "minute": 11}
